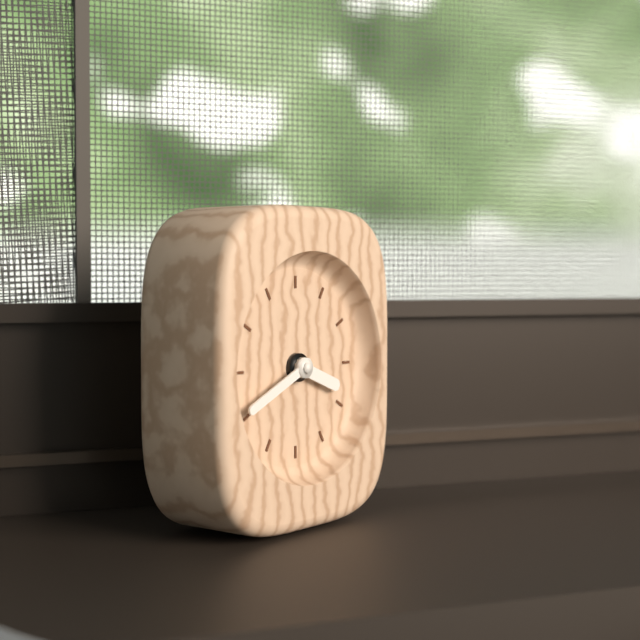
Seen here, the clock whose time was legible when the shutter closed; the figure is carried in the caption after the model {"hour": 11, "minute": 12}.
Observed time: {"hour": 3, "minute": 41}
